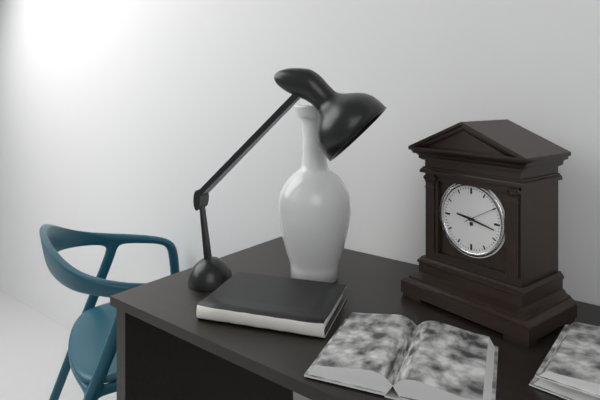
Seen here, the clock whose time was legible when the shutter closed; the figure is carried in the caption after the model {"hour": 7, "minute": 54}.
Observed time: {"hour": 9, "minute": 17}
